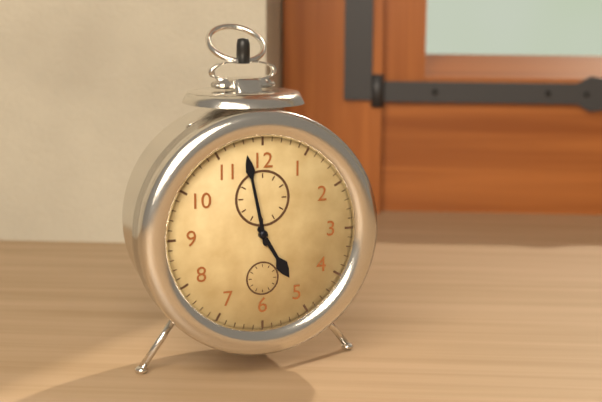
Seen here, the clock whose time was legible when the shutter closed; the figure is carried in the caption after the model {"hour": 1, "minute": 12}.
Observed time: {"hour": 4, "minute": 58}
